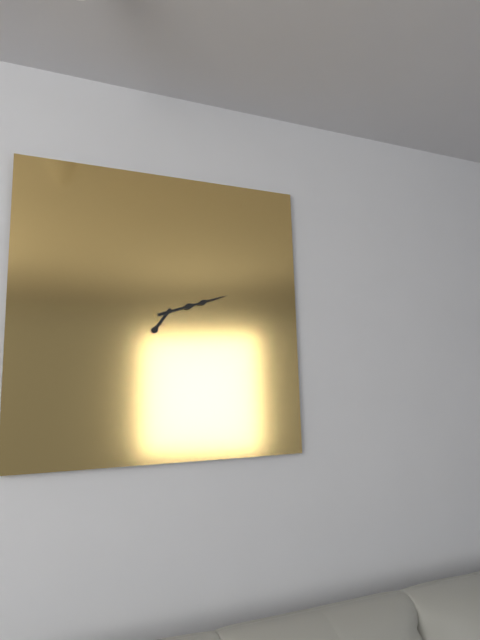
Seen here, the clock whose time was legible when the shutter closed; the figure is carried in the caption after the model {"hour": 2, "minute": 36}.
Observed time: {"hour": 7, "minute": 12}
